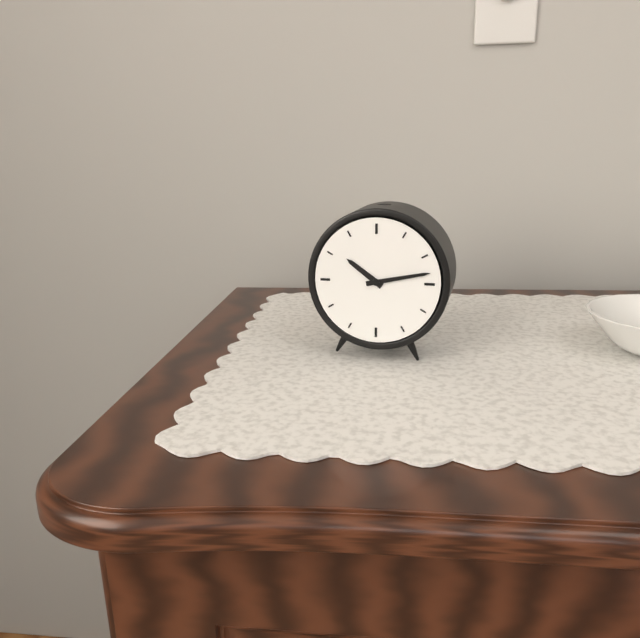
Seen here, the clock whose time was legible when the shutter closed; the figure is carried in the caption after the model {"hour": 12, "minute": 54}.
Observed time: {"hour": 10, "minute": 13}
